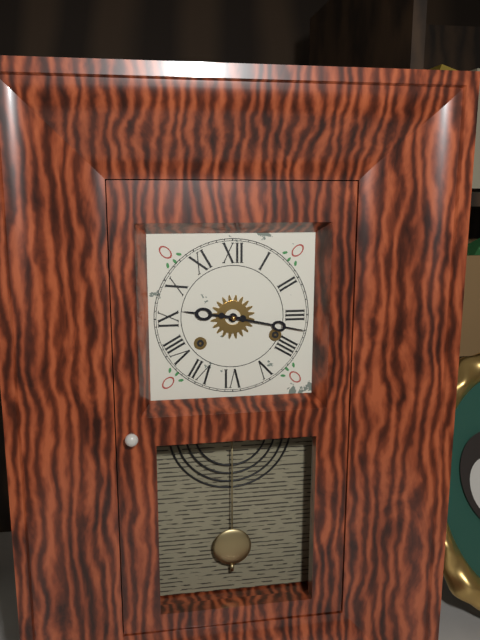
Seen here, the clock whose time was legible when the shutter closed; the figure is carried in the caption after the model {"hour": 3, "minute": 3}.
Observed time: {"hour": 9, "minute": 17}
